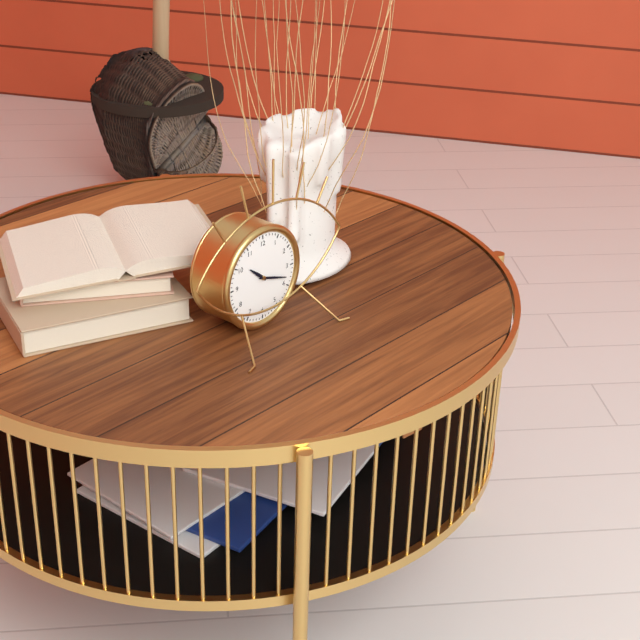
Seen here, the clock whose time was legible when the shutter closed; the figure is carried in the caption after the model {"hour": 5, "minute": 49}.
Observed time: {"hour": 10, "minute": 18}
